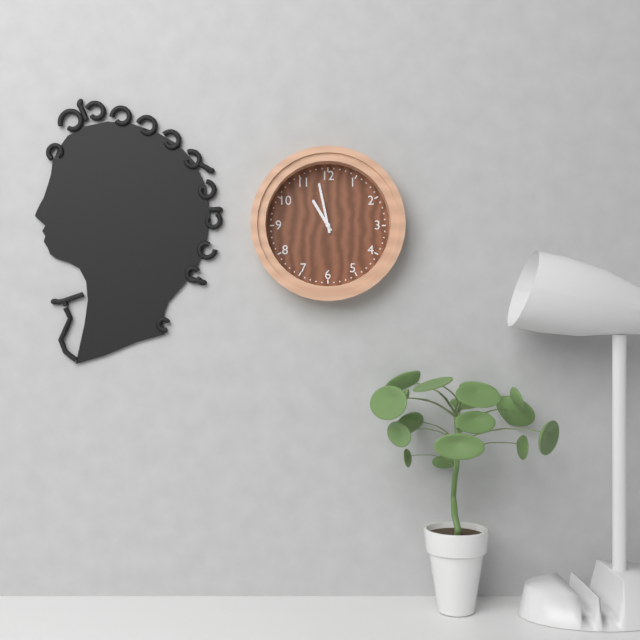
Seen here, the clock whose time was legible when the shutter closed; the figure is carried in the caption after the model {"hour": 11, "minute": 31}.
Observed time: {"hour": 10, "minute": 58}
